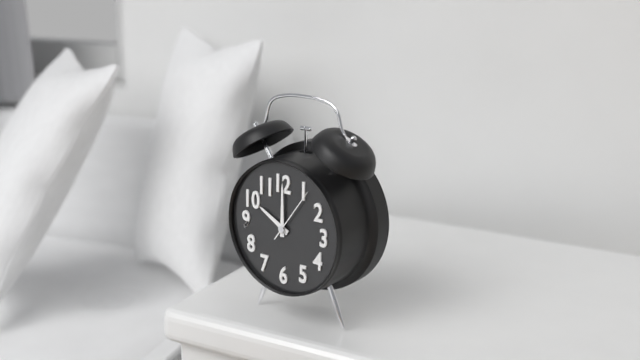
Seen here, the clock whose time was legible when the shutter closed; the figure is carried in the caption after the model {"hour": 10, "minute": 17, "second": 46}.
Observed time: {"hour": 10, "minute": 0, "second": 6}
